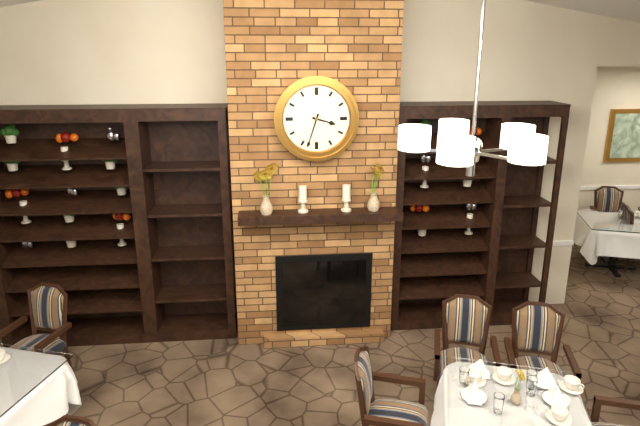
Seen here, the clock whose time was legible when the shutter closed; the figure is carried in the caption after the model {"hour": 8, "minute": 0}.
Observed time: {"hour": 3, "minute": 33}
